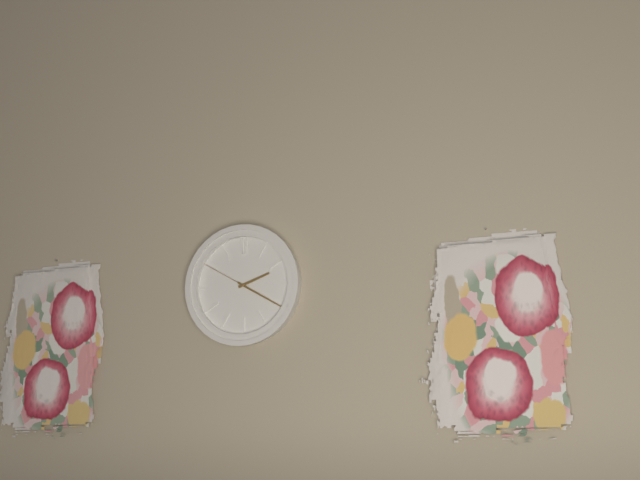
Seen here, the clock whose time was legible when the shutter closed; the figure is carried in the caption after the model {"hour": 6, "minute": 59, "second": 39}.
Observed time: {"hour": 2, "minute": 20, "second": 50}
